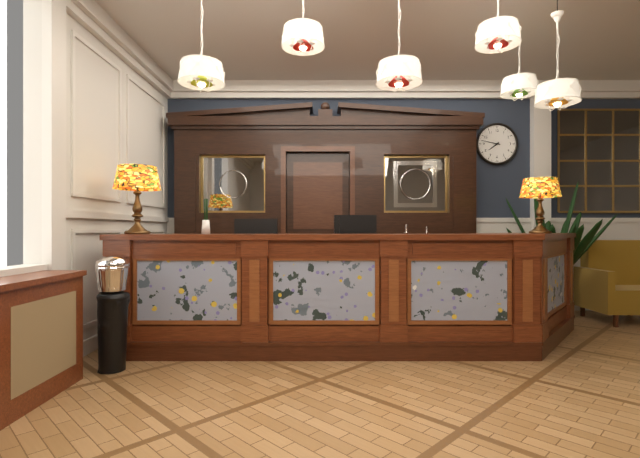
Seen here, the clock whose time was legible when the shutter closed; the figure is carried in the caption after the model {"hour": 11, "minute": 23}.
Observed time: {"hour": 7, "minute": 47}
